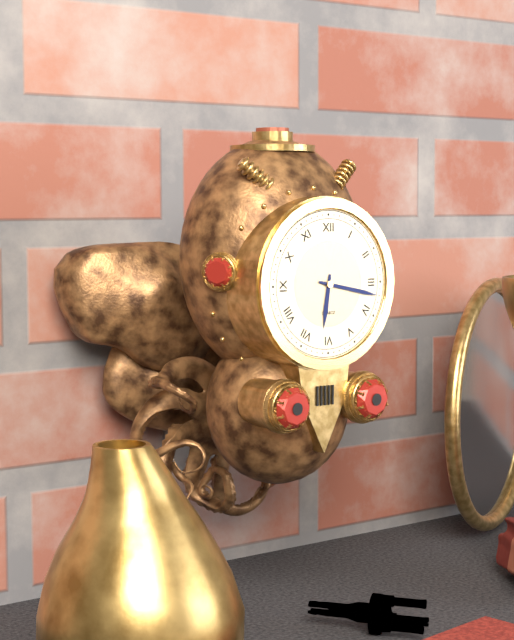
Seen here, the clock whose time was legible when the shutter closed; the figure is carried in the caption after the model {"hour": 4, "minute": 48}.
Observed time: {"hour": 6, "minute": 17}
